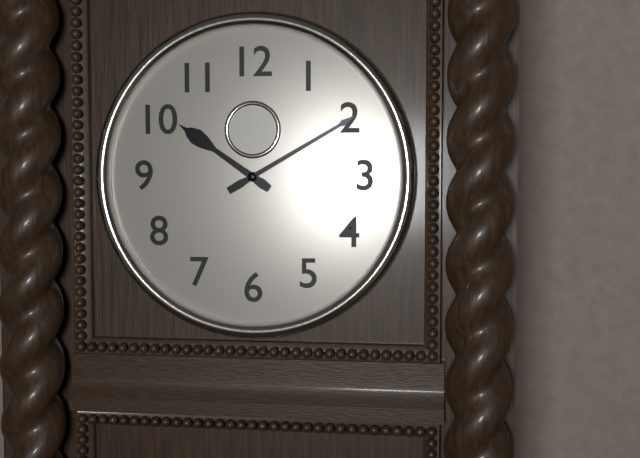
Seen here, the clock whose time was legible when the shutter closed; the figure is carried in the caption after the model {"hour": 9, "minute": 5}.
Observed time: {"hour": 10, "minute": 10}
